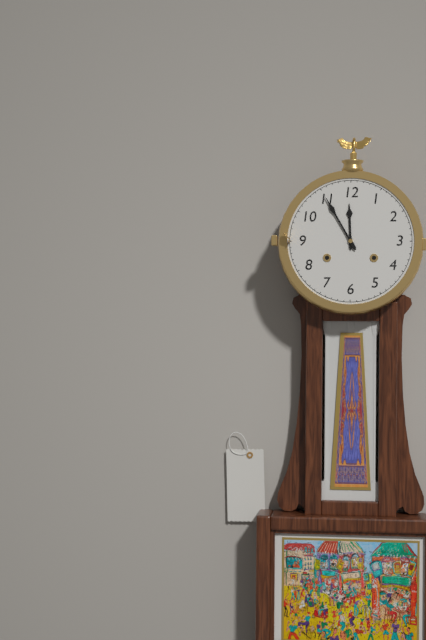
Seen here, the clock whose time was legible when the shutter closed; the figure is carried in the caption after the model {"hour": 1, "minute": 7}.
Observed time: {"hour": 11, "minute": 55}
